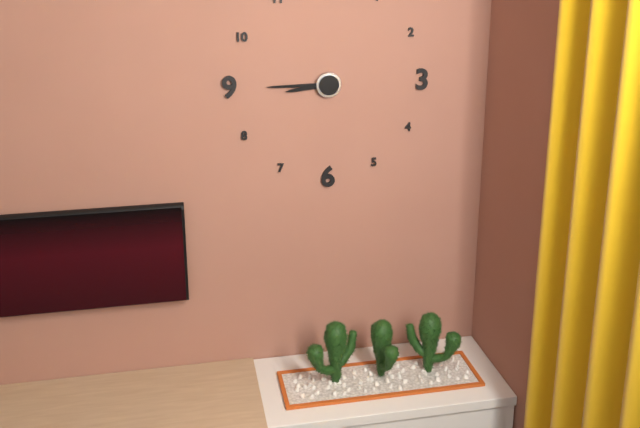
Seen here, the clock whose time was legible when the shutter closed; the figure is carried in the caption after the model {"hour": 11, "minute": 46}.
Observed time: {"hour": 8, "minute": 45}
